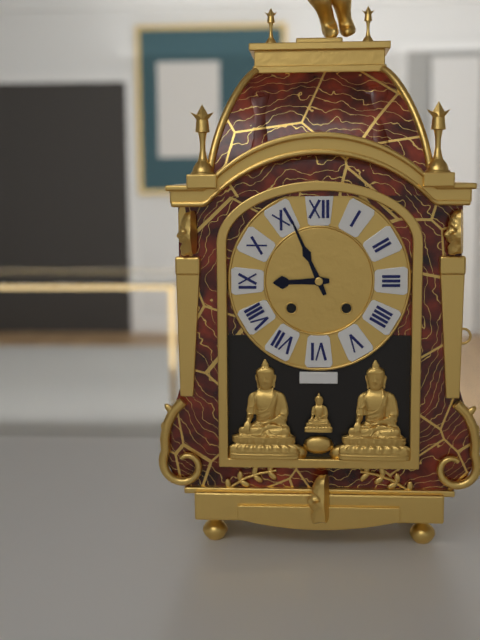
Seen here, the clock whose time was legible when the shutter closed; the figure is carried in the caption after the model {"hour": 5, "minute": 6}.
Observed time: {"hour": 8, "minute": 56}
